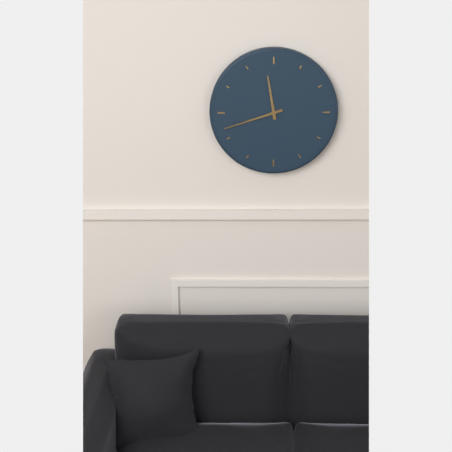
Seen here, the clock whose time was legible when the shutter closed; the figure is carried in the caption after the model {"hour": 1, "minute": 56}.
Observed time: {"hour": 11, "minute": 42}
